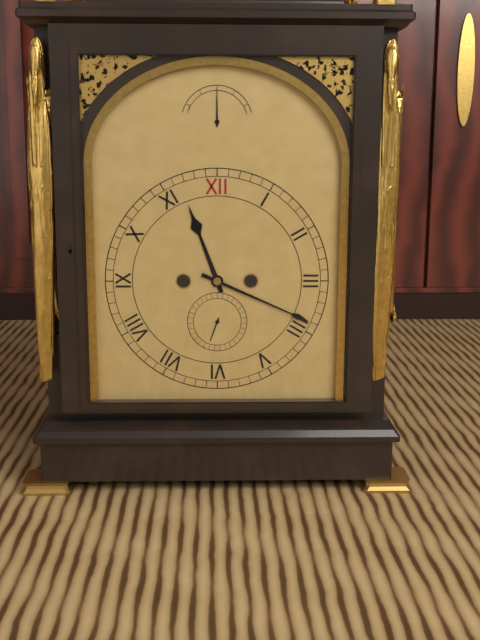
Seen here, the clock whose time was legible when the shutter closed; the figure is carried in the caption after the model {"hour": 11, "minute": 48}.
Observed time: {"hour": 11, "minute": 19}
